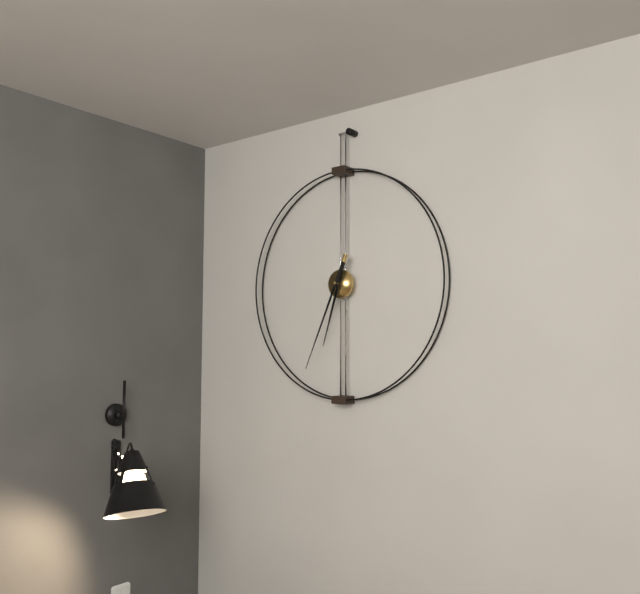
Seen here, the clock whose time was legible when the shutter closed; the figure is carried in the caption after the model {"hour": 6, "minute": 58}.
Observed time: {"hour": 6, "minute": 34}
